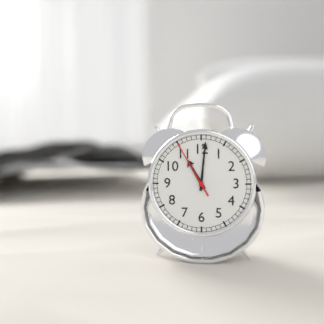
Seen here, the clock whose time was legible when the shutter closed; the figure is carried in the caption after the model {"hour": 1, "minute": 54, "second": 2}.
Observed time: {"hour": 11, "minute": 1, "second": 55}
